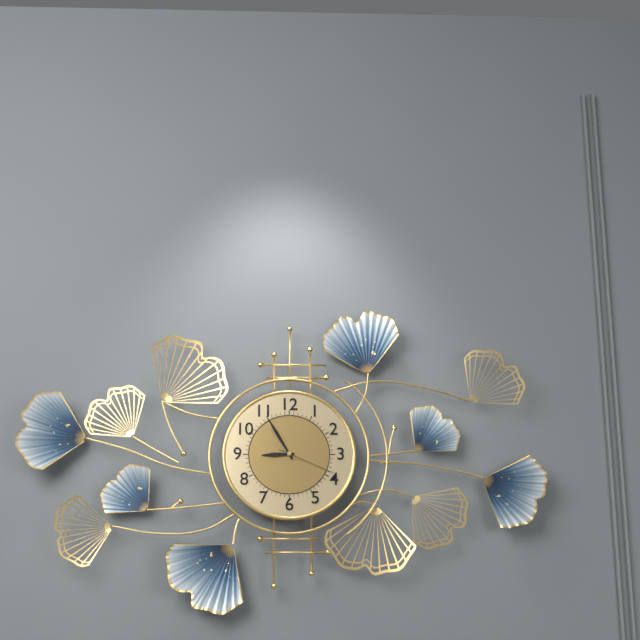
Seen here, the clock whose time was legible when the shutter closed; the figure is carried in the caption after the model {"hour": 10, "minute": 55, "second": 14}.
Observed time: {"hour": 8, "minute": 55, "second": 19}
